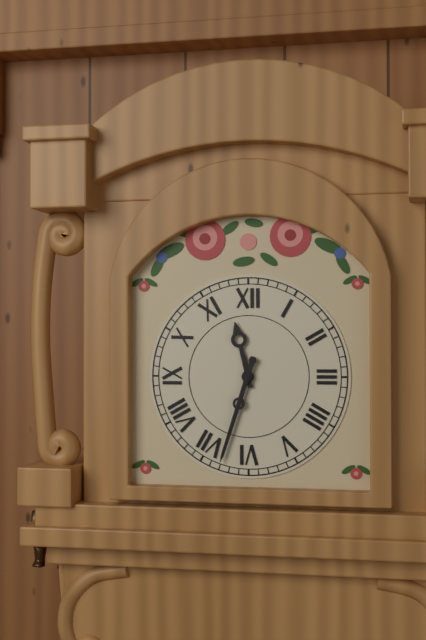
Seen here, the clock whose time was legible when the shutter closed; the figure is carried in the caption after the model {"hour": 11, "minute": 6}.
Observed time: {"hour": 11, "minute": 33}
